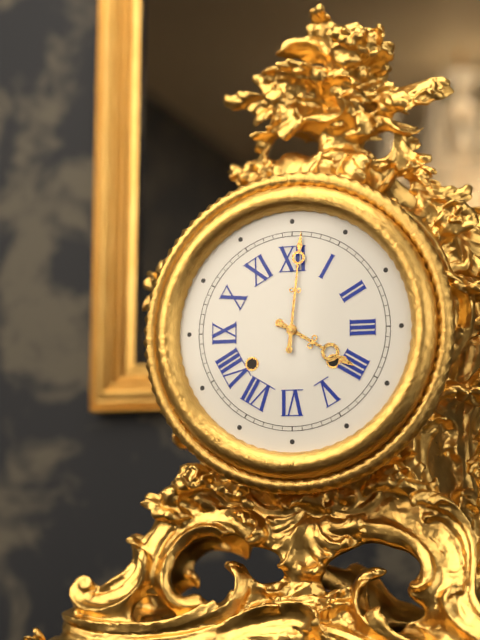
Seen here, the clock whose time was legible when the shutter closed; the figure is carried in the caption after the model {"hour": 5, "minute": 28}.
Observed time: {"hour": 4, "minute": 1}
